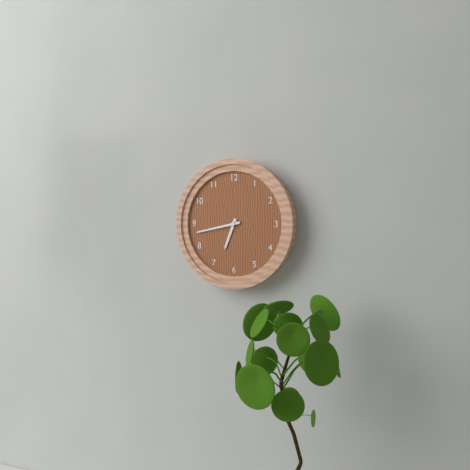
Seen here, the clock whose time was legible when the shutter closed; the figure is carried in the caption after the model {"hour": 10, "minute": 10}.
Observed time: {"hour": 6, "minute": 43}
